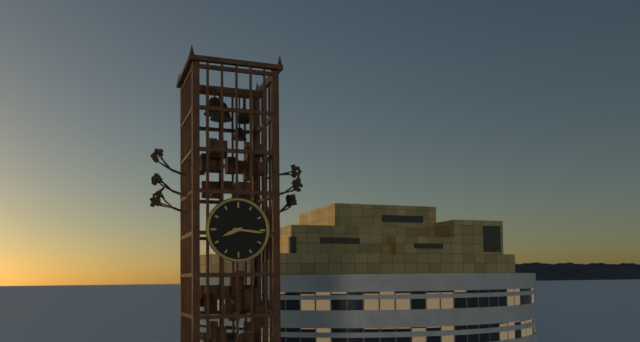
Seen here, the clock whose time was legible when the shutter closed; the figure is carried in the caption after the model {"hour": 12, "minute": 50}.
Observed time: {"hour": 8, "minute": 16}
